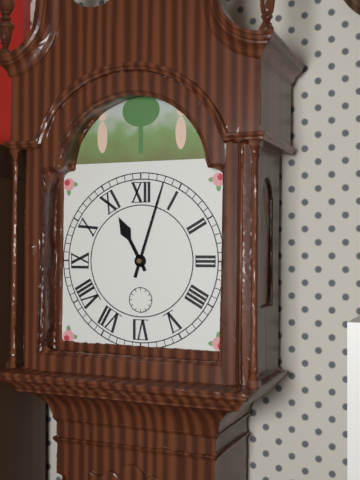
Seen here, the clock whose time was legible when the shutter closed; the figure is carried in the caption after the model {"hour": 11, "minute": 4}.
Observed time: {"hour": 11, "minute": 3}
